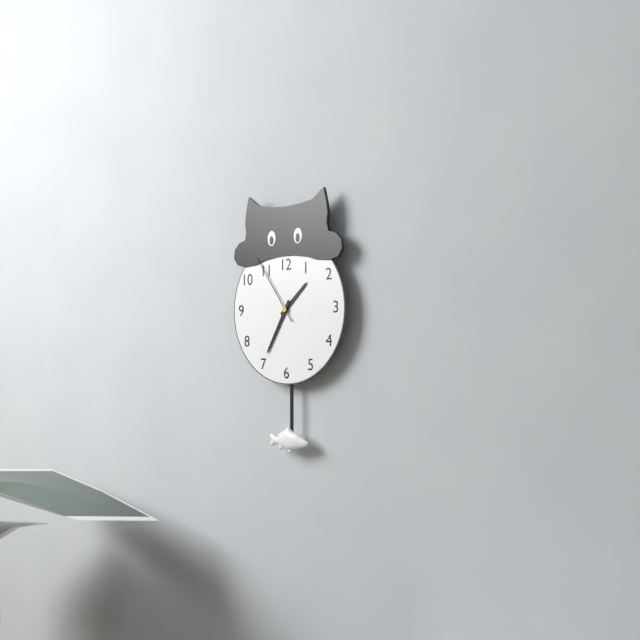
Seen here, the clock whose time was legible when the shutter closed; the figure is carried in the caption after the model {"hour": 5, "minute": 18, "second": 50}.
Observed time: {"hour": 1, "minute": 35, "second": 54}
